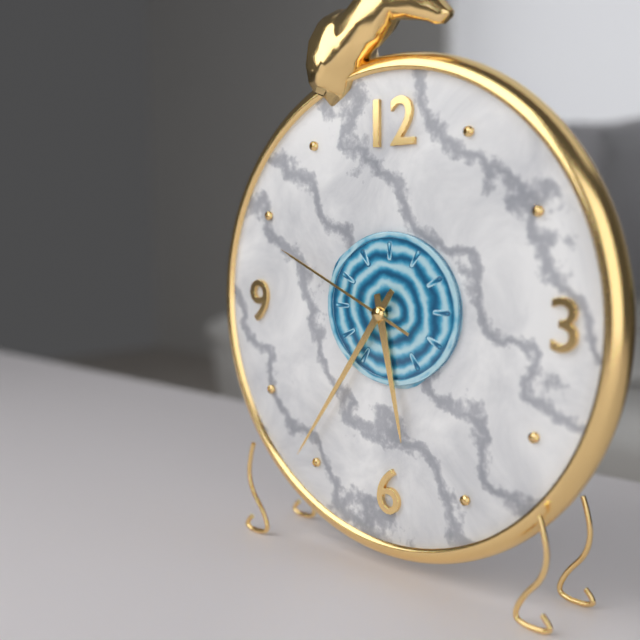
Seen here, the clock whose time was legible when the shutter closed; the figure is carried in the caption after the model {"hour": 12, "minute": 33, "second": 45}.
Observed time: {"hour": 5, "minute": 36, "second": 49}
